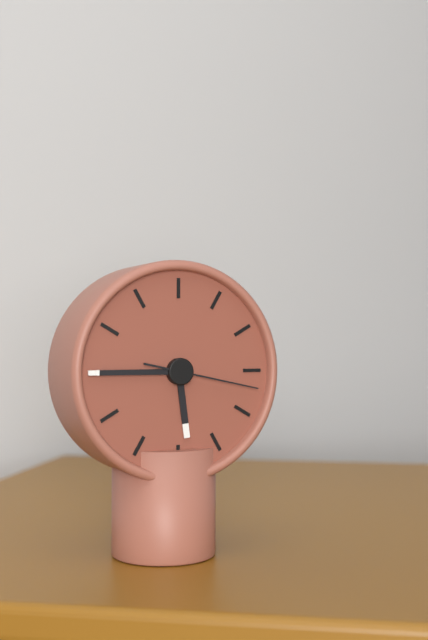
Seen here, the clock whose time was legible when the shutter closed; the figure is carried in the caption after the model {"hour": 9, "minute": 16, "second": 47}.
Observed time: {"hour": 5, "minute": 45, "second": 17}
